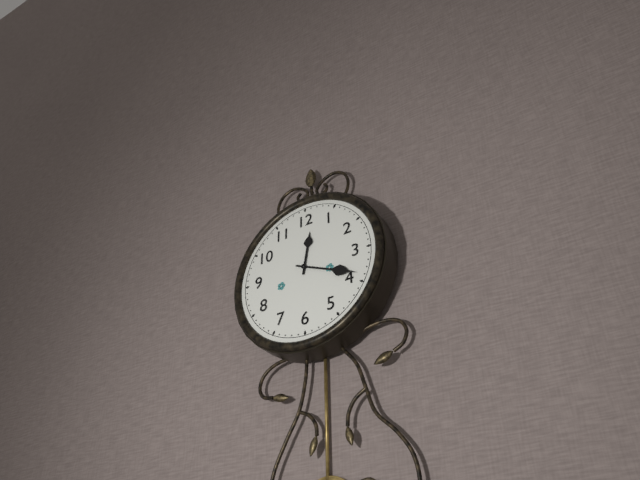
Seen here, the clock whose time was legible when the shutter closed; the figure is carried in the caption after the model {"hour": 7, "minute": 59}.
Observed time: {"hour": 12, "minute": 19}
